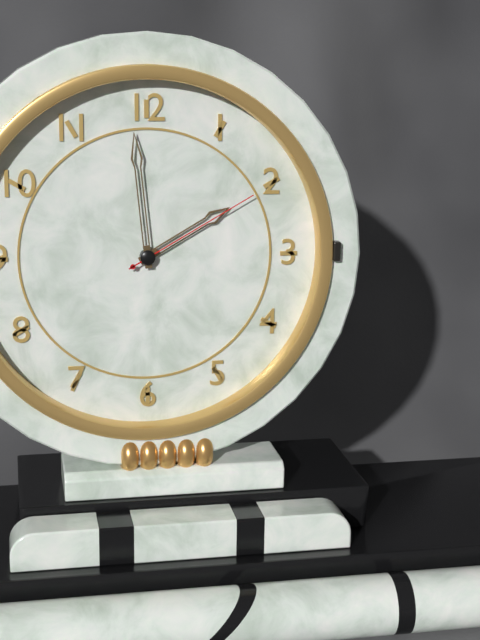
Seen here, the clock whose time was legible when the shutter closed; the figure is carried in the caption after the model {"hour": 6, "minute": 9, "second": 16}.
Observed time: {"hour": 1, "minute": 59, "second": 10}
